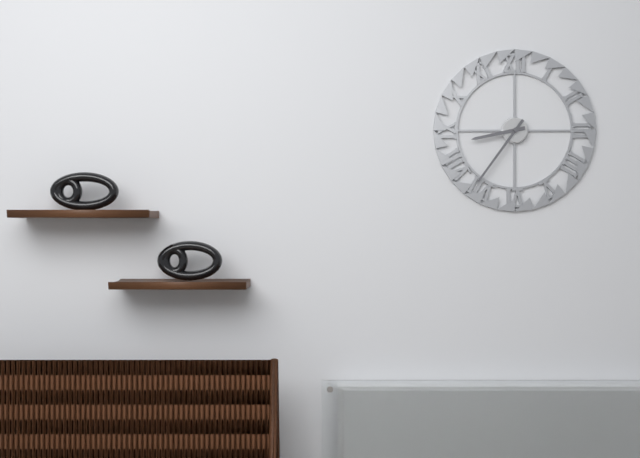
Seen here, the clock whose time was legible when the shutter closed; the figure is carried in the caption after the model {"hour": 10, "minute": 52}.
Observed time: {"hour": 8, "minute": 36}
